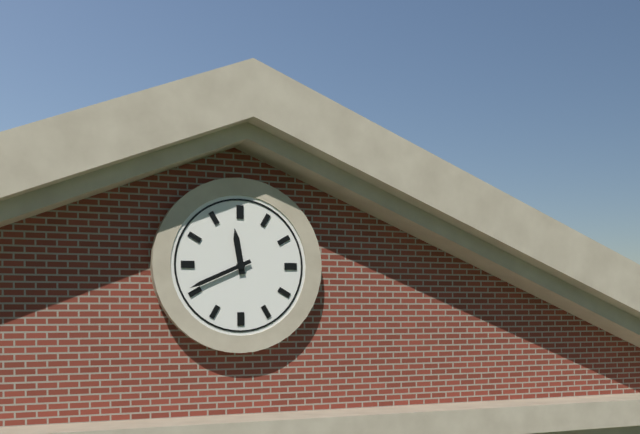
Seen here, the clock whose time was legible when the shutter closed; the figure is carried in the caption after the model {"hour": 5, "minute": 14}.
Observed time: {"hour": 11, "minute": 41}
